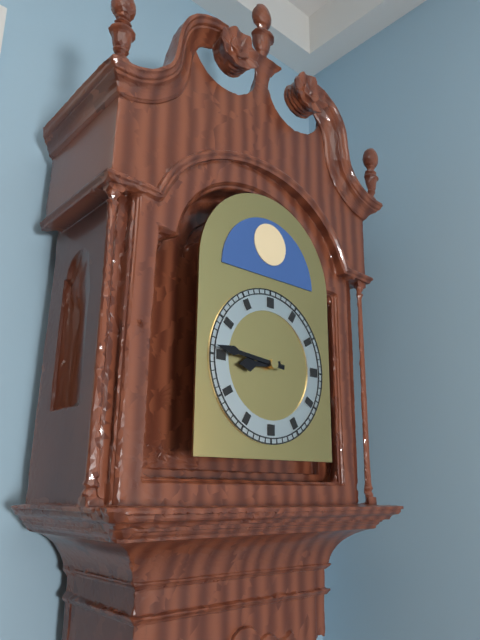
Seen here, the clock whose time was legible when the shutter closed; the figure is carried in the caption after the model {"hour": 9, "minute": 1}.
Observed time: {"hour": 8, "minute": 46}
